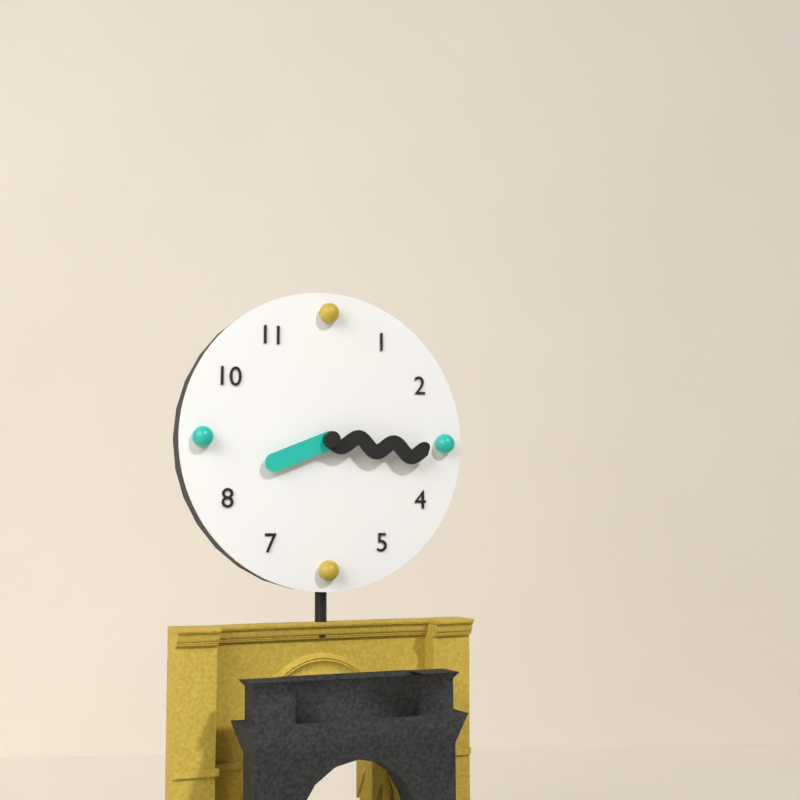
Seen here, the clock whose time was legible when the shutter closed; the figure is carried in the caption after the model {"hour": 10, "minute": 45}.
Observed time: {"hour": 8, "minute": 16}
